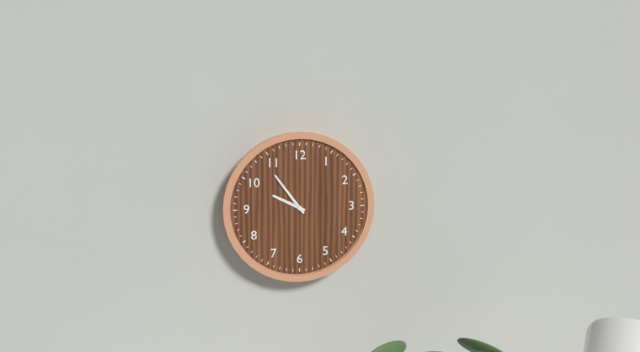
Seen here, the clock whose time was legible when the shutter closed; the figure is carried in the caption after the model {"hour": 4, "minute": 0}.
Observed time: {"hour": 9, "minute": 54}
